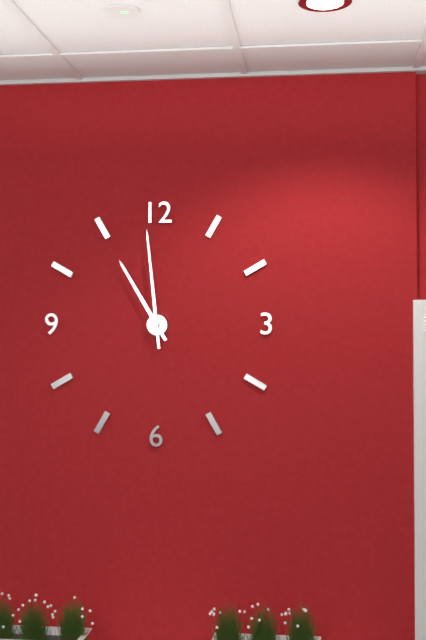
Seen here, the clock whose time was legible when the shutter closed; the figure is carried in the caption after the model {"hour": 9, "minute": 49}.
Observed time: {"hour": 10, "minute": 59}
